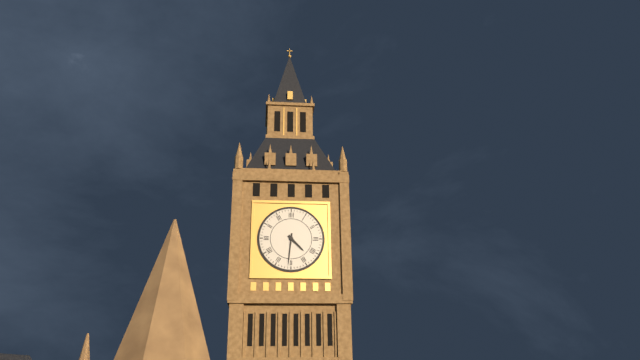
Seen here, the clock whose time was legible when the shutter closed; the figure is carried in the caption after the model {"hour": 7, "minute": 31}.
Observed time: {"hour": 4, "minute": 31}
